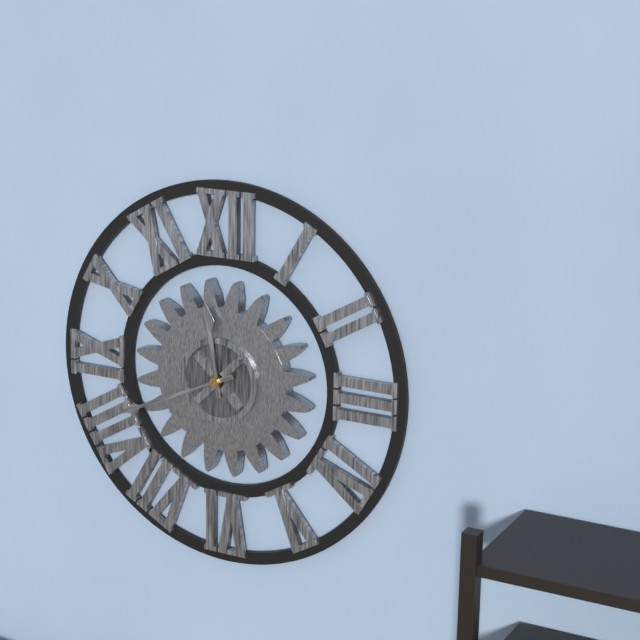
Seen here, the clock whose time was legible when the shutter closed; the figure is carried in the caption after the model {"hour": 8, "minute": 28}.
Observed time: {"hour": 11, "minute": 41}
